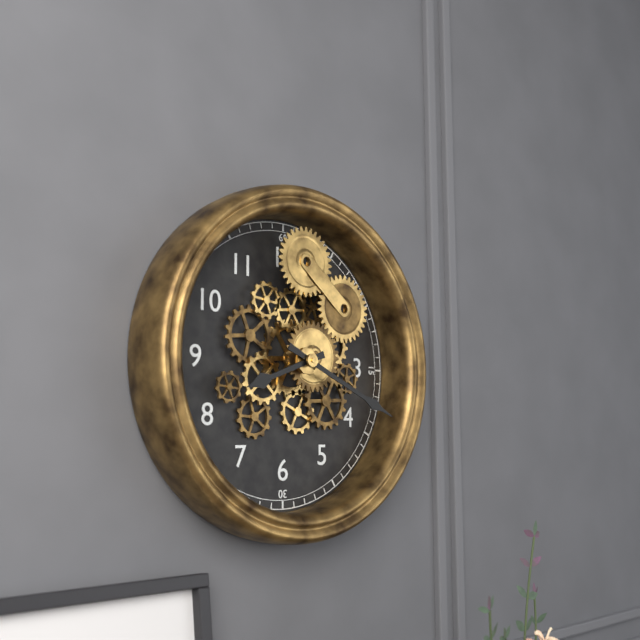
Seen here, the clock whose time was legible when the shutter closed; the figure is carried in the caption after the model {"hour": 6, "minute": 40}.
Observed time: {"hour": 8, "minute": 19}
